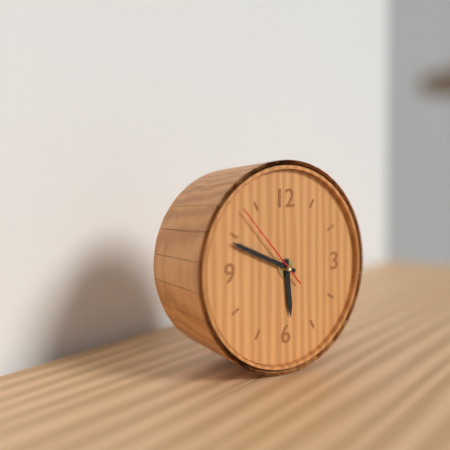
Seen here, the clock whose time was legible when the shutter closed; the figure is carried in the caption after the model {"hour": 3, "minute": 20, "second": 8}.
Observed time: {"hour": 5, "minute": 49, "second": 53}
